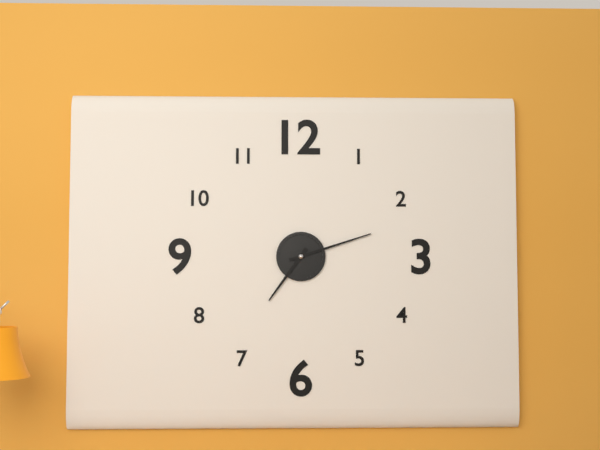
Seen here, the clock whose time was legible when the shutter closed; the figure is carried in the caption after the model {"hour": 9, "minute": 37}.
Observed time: {"hour": 7, "minute": 12}
